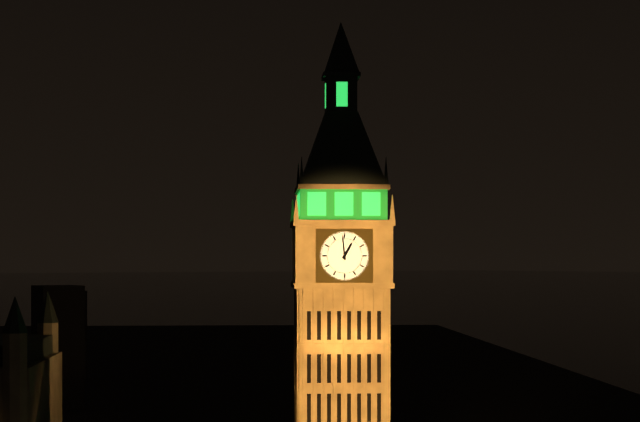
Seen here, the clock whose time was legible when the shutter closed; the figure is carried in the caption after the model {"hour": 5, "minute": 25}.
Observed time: {"hour": 12, "minute": 59}
